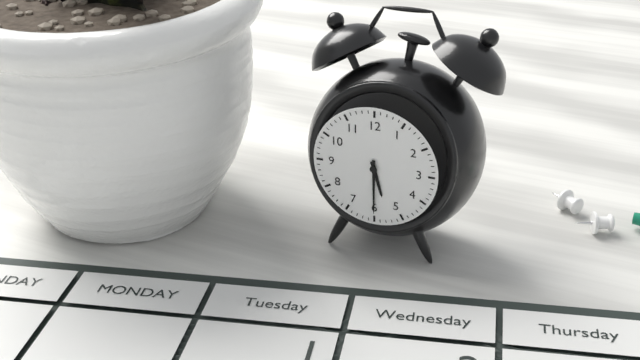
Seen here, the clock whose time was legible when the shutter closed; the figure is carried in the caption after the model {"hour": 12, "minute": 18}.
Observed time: {"hour": 5, "minute": 30}
